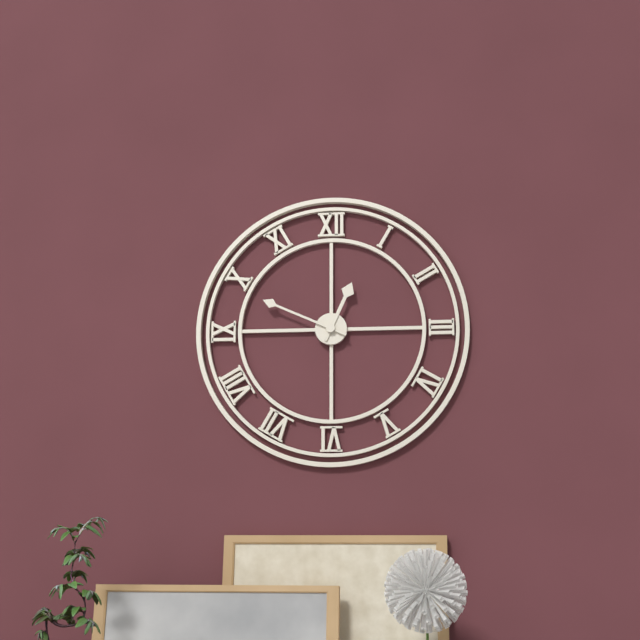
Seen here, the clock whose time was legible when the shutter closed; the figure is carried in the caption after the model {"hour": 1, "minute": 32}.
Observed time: {"hour": 12, "minute": 49}
